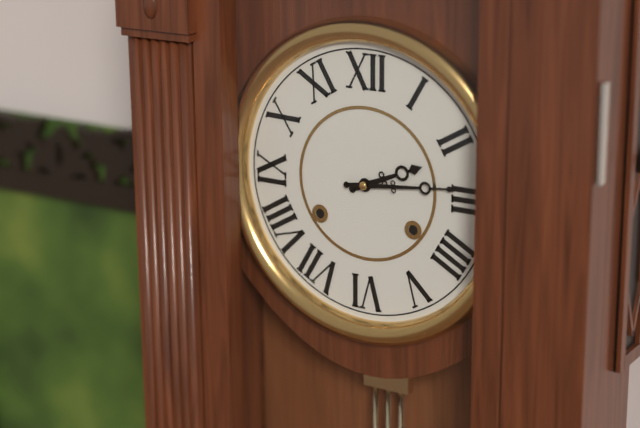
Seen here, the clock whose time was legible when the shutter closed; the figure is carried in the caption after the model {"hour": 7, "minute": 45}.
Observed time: {"hour": 2, "minute": 14}
